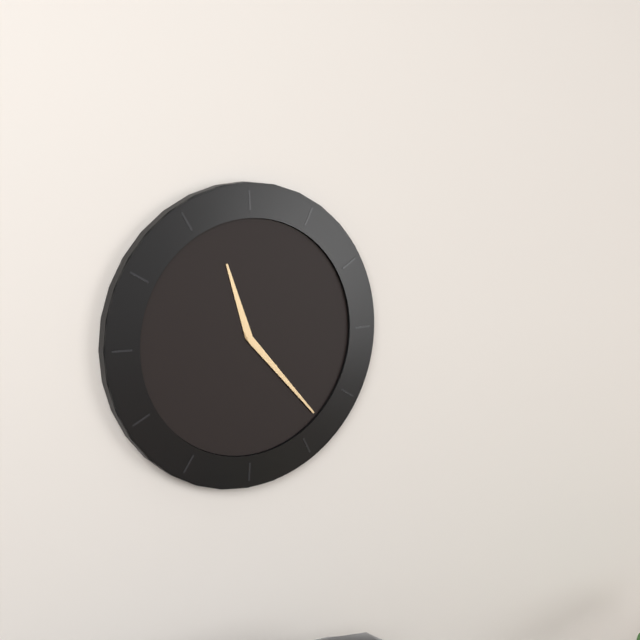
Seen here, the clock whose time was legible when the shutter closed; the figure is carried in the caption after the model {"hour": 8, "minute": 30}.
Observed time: {"hour": 11, "minute": 23}
